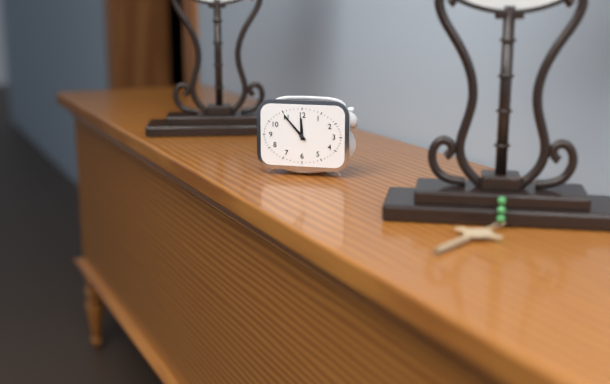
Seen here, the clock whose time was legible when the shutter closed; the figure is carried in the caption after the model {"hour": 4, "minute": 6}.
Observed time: {"hour": 11, "minute": 53}
